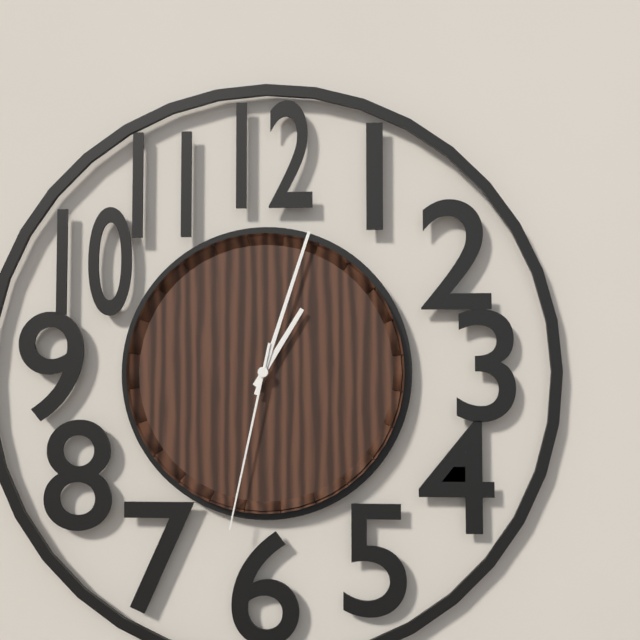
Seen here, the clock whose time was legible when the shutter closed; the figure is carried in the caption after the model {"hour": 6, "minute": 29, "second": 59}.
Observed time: {"hour": 1, "minute": 3, "second": 32}
